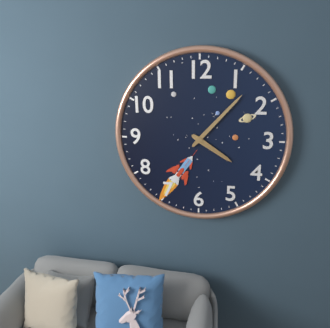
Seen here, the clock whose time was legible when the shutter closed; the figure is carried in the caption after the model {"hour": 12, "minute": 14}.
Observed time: {"hour": 4, "minute": 7}
